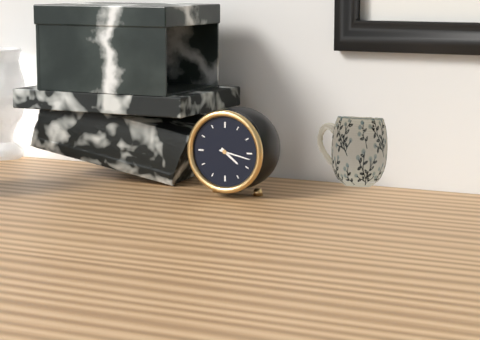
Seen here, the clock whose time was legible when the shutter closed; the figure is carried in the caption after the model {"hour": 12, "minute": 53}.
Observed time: {"hour": 4, "minute": 17}
